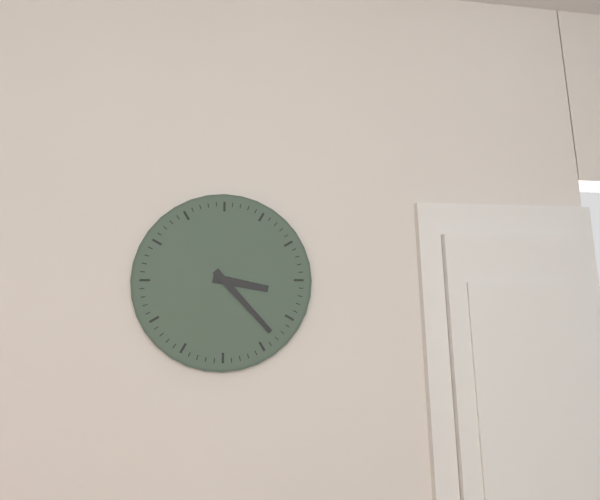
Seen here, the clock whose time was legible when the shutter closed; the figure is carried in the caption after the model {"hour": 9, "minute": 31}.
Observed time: {"hour": 3, "minute": 23}
